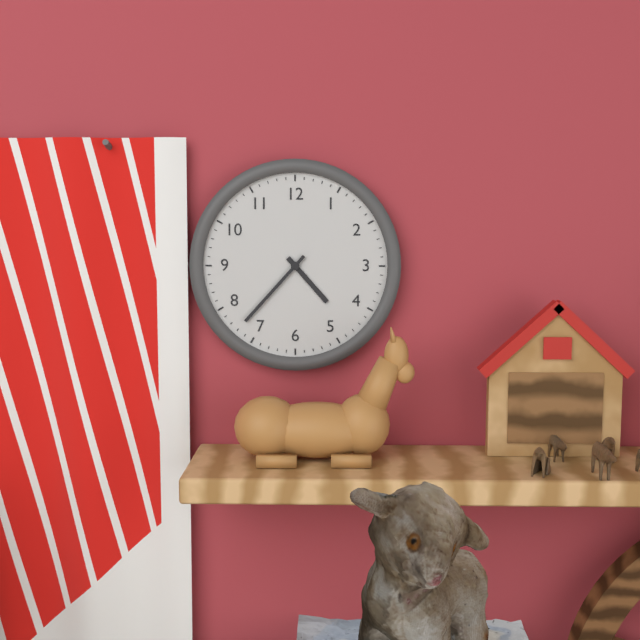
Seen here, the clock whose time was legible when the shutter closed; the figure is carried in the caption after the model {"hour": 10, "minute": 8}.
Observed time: {"hour": 4, "minute": 37}
